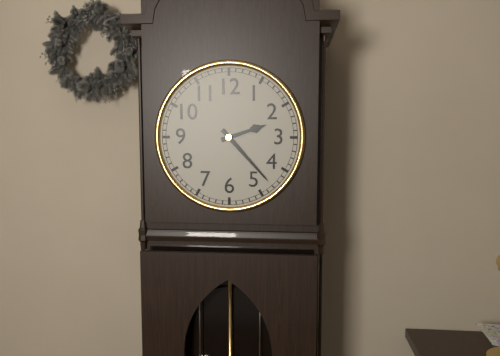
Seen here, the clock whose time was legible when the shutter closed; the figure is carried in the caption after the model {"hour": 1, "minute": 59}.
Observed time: {"hour": 2, "minute": 23}
